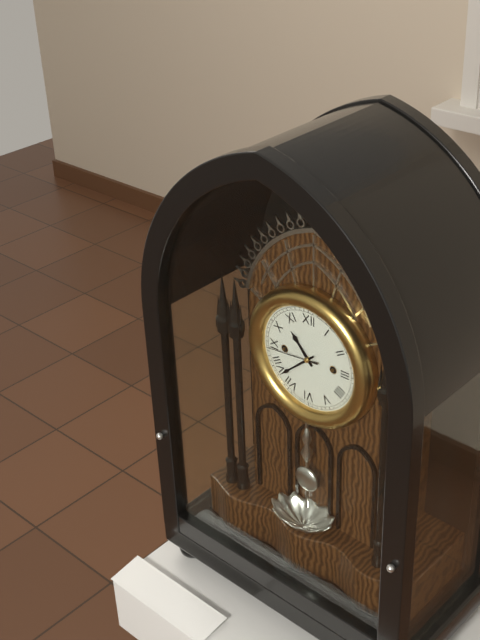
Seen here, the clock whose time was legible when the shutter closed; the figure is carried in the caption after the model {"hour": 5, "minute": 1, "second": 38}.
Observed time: {"hour": 10, "minute": 38, "second": 44}
